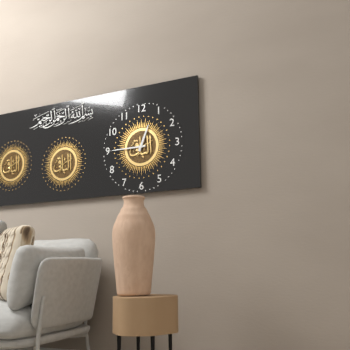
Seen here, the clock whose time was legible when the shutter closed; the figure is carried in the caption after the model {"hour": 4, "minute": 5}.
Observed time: {"hour": 12, "minute": 45}
